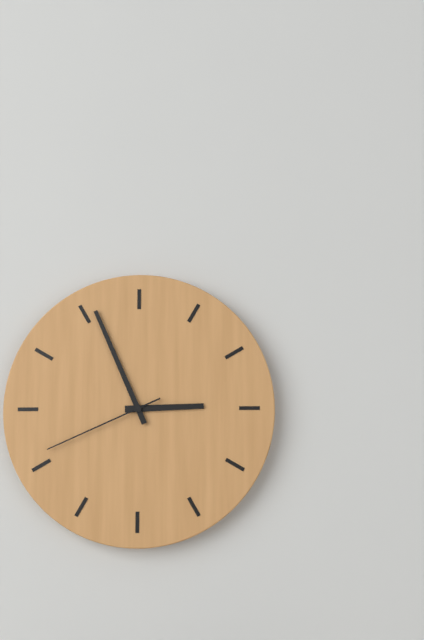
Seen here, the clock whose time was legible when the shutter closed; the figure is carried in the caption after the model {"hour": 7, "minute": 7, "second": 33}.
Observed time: {"hour": 2, "minute": 56, "second": 41}
